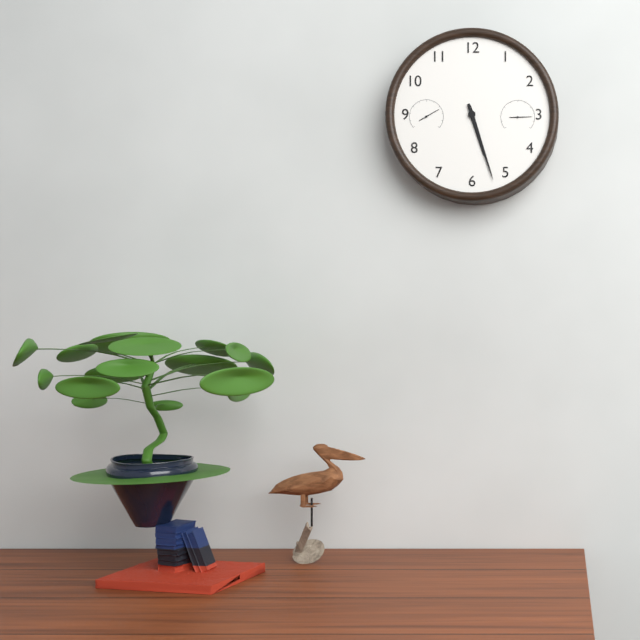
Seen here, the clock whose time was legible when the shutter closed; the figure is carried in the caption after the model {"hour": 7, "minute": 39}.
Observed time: {"hour": 5, "minute": 27}
